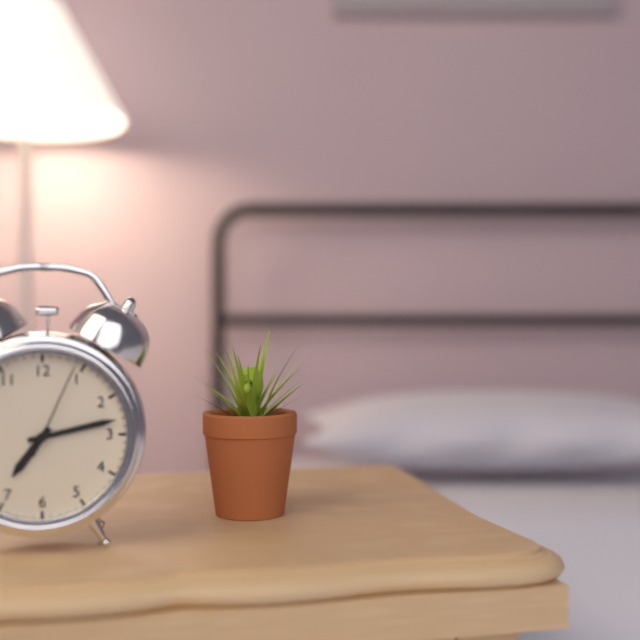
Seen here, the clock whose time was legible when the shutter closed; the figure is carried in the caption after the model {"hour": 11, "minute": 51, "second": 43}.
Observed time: {"hour": 7, "minute": 13, "second": 4}
